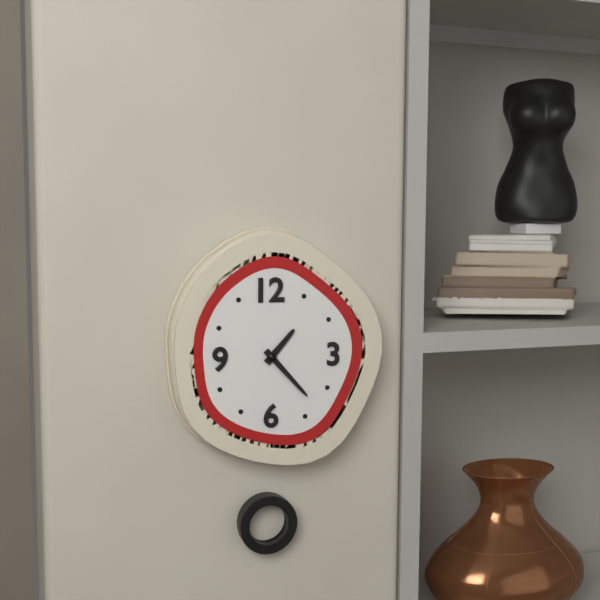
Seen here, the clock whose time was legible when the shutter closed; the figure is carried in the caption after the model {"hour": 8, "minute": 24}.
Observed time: {"hour": 1, "minute": 23}
